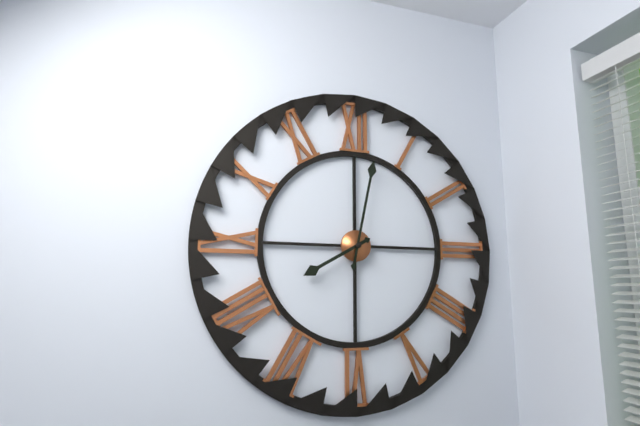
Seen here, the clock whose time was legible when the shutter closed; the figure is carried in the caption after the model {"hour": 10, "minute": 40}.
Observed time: {"hour": 8, "minute": 2}
